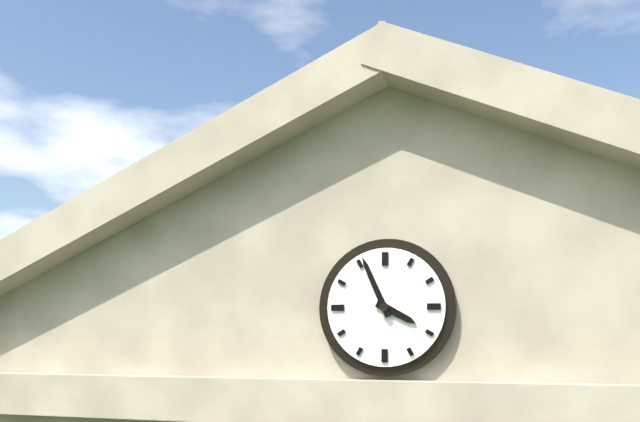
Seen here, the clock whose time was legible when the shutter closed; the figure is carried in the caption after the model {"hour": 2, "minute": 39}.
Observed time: {"hour": 3, "minute": 56}
